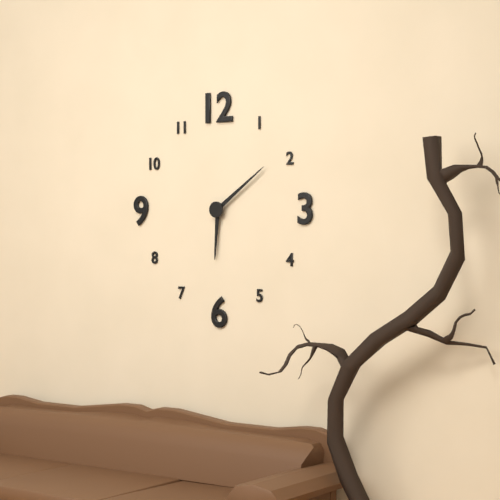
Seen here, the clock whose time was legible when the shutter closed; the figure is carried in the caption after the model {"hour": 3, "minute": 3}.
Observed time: {"hour": 6, "minute": 9}
